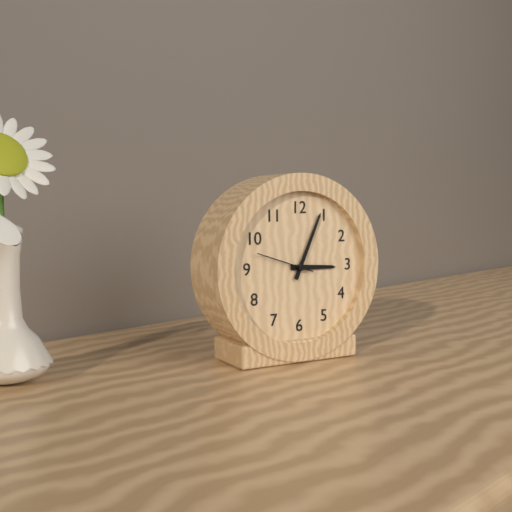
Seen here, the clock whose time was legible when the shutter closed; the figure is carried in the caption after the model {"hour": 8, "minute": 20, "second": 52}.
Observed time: {"hour": 3, "minute": 4, "second": 48}
